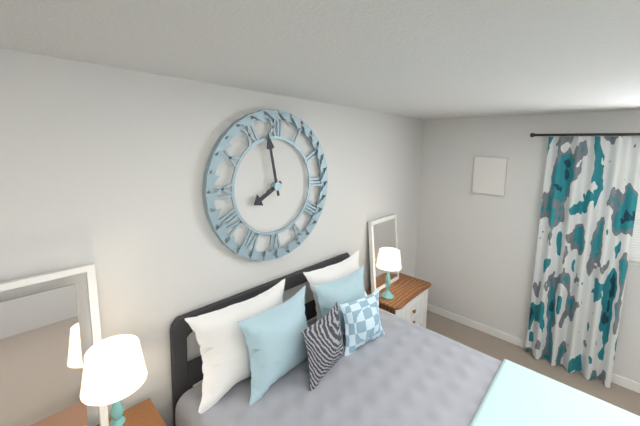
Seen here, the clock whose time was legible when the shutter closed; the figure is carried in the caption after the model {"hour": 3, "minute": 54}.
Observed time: {"hour": 7, "minute": 58}
